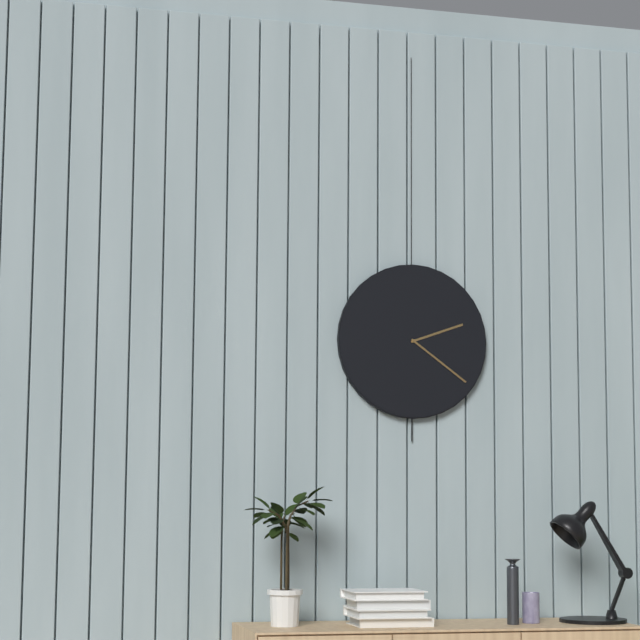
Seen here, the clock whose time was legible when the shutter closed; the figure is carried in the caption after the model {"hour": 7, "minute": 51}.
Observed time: {"hour": 2, "minute": 21}
